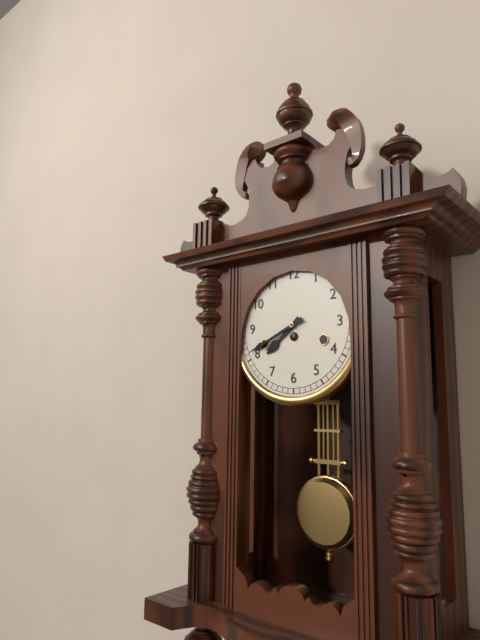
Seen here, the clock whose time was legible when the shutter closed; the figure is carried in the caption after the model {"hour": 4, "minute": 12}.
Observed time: {"hour": 7, "minute": 41}
